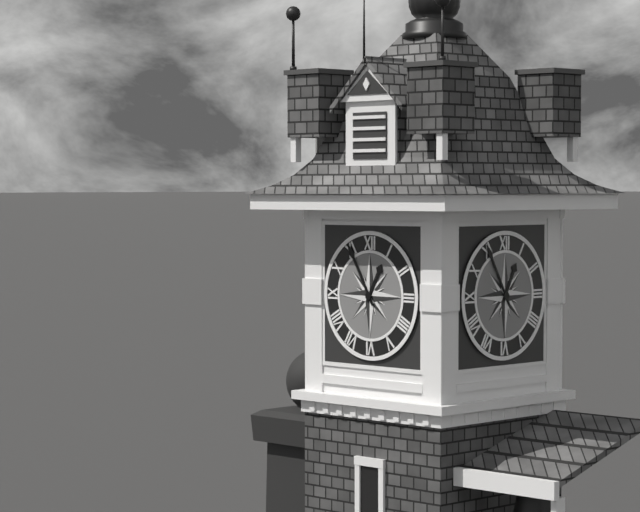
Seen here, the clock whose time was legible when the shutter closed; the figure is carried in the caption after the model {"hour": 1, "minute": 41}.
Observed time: {"hour": 12, "minute": 55}
